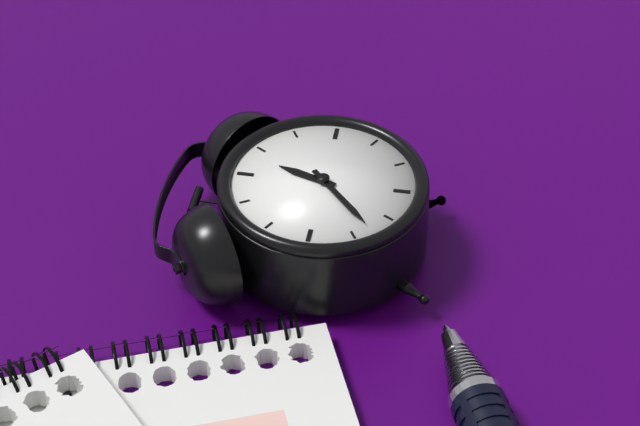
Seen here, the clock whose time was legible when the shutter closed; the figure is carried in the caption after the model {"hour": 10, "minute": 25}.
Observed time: {"hour": 12, "minute": 38}
